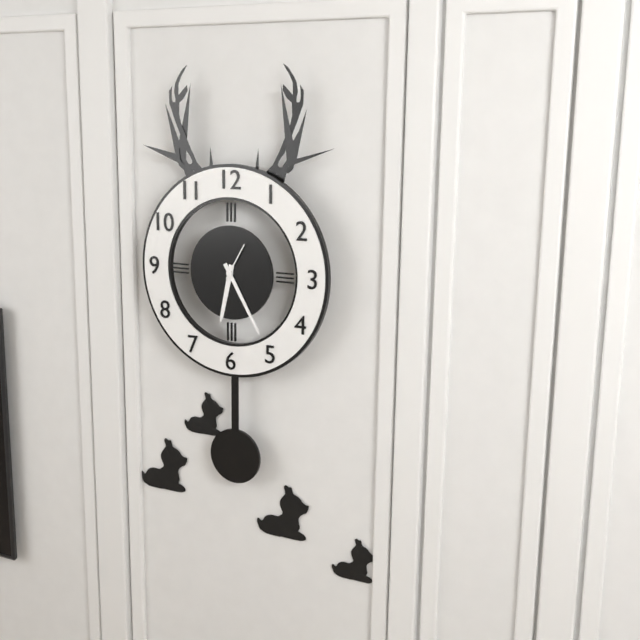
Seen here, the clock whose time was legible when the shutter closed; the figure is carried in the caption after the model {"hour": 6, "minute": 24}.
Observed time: {"hour": 6, "minute": 25}
